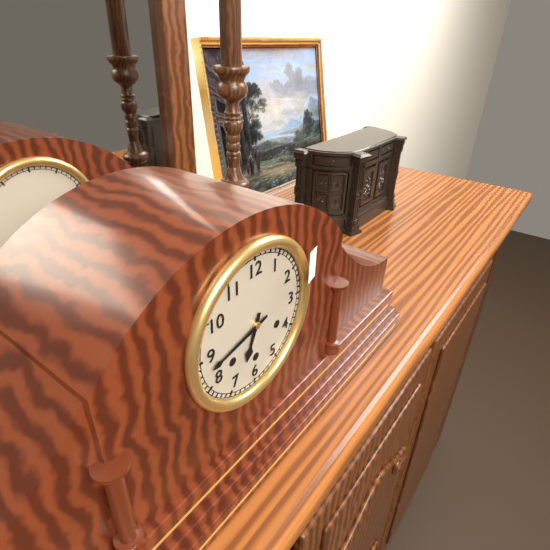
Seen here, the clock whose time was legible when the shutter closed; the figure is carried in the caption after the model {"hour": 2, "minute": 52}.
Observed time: {"hour": 6, "minute": 43}
